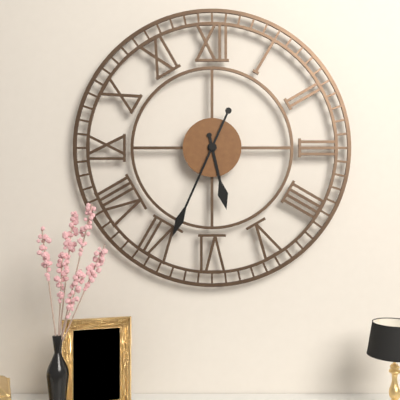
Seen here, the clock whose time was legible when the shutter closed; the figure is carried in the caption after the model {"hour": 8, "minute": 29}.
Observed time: {"hour": 5, "minute": 34}
